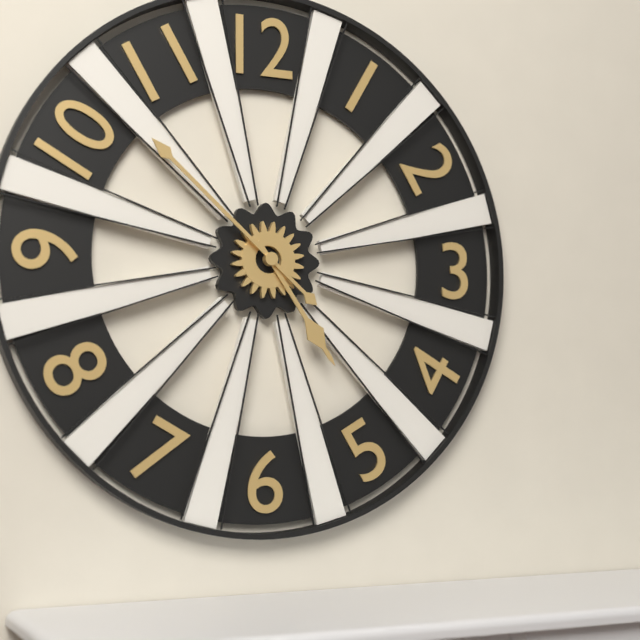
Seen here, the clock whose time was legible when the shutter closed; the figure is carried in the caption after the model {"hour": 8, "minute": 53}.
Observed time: {"hour": 4, "minute": 52}
